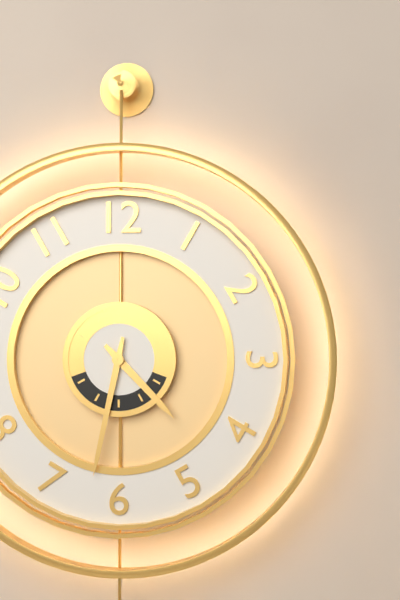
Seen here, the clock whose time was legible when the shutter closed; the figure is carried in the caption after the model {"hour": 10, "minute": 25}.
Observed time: {"hour": 4, "minute": 32}
